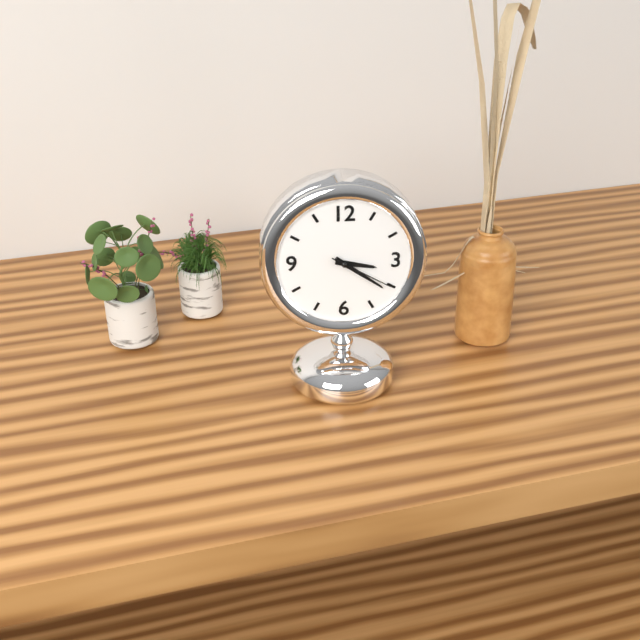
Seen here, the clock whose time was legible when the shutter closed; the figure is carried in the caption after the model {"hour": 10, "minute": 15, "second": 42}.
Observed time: {"hour": 3, "minute": 21, "second": 20}
